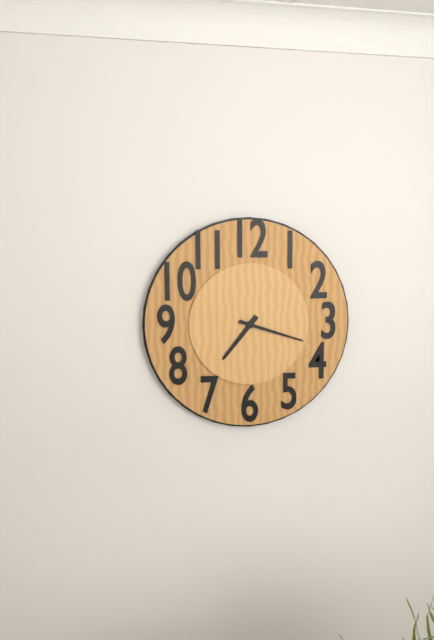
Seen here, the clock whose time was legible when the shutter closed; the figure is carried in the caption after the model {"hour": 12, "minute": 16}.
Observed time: {"hour": 7, "minute": 18}
